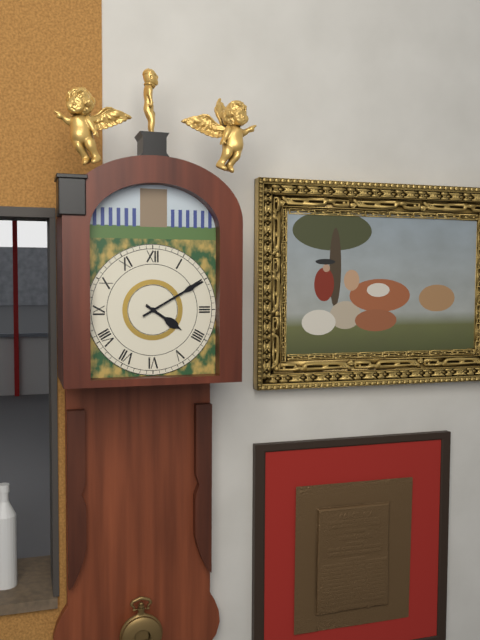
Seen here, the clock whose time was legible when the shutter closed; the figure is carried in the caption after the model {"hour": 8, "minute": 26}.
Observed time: {"hour": 4, "minute": 10}
